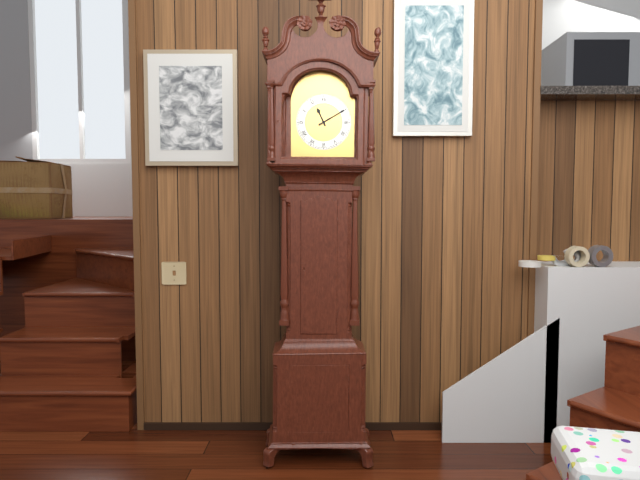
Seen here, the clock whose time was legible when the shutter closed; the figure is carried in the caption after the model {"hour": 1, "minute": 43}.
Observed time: {"hour": 11, "minute": 10}
